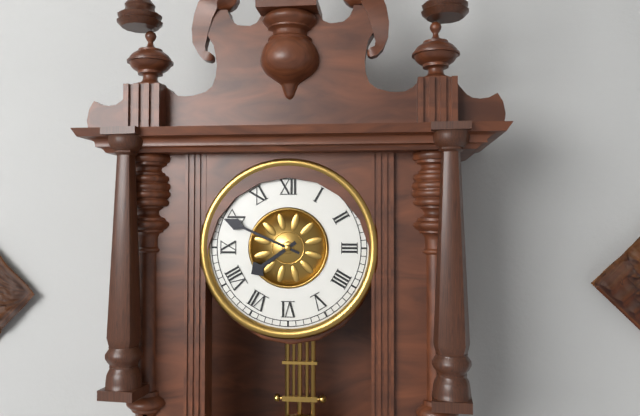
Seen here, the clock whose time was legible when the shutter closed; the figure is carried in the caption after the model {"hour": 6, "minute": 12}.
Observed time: {"hour": 7, "minute": 49}
